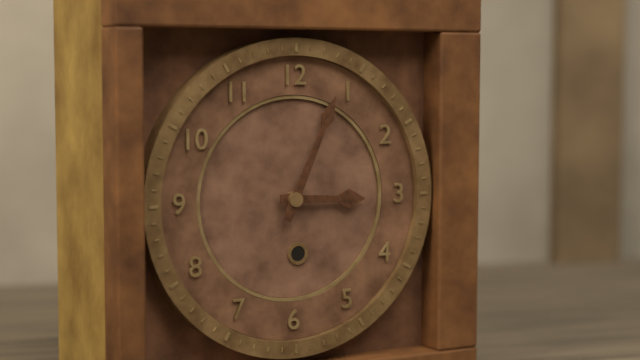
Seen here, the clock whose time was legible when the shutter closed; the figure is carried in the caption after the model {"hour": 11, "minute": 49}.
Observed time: {"hour": 3, "minute": 4}
